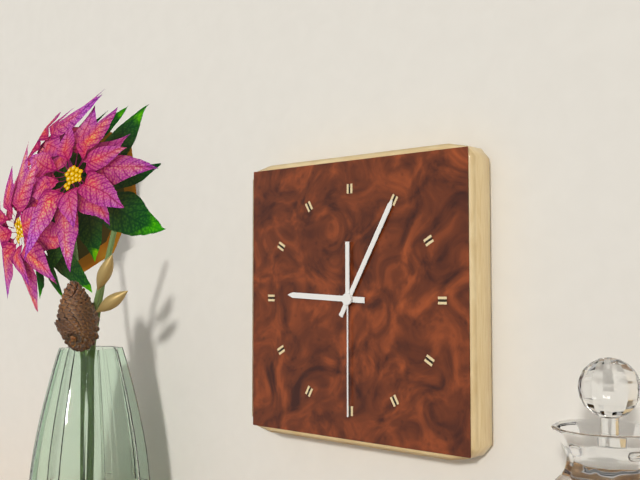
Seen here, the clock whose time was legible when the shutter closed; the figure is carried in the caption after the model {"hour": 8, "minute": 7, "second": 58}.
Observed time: {"hour": 9, "minute": 5, "second": 30}
